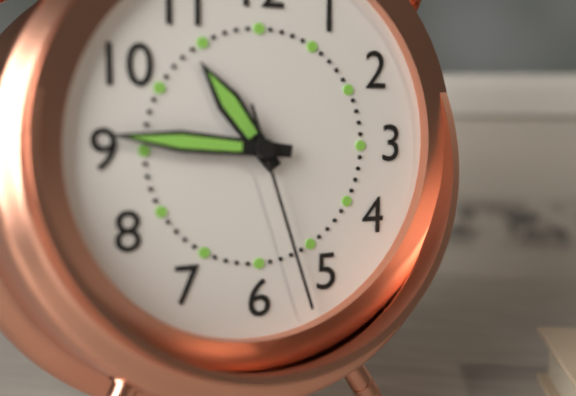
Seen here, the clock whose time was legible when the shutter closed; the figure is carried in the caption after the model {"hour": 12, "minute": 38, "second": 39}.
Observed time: {"hour": 10, "minute": 46, "second": 27}
